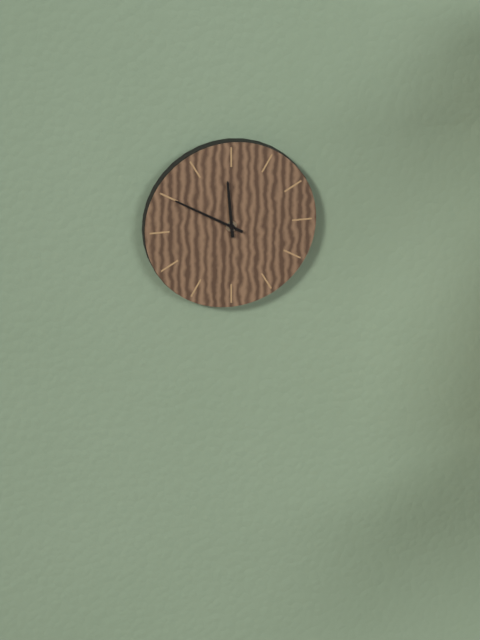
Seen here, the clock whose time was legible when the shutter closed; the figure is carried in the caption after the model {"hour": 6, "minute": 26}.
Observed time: {"hour": 11, "minute": 50}
